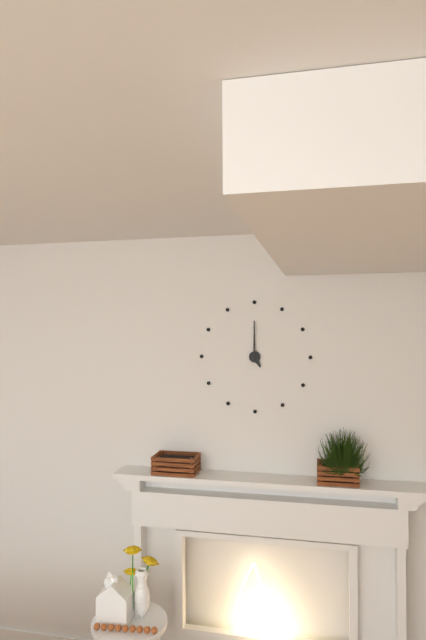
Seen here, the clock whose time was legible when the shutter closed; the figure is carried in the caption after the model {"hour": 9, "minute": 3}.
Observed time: {"hour": 5, "minute": 0}
